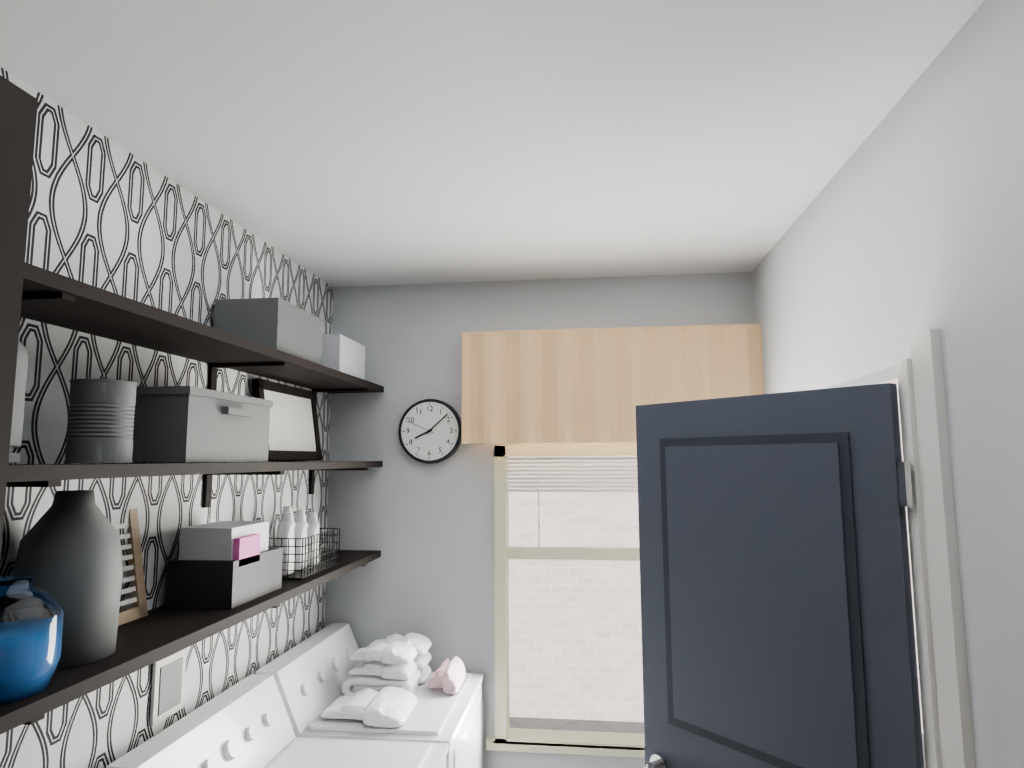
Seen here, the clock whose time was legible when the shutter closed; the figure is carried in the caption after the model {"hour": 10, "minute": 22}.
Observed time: {"hour": 8, "minute": 8}
